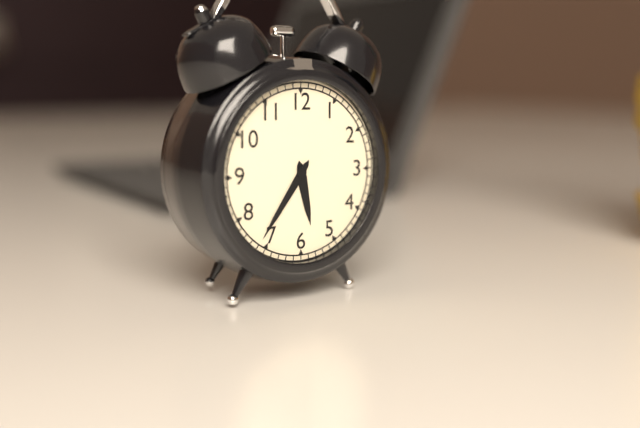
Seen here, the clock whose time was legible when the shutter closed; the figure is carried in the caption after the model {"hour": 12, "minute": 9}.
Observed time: {"hour": 5, "minute": 36}
